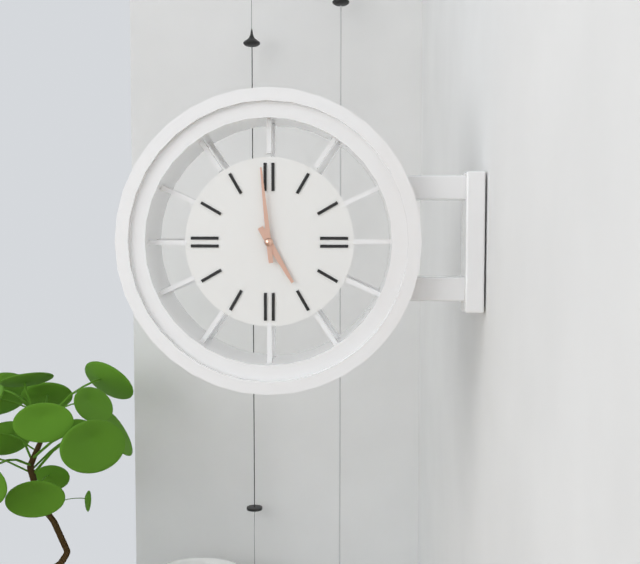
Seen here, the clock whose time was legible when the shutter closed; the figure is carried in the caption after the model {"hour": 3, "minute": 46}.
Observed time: {"hour": 4, "minute": 59}
